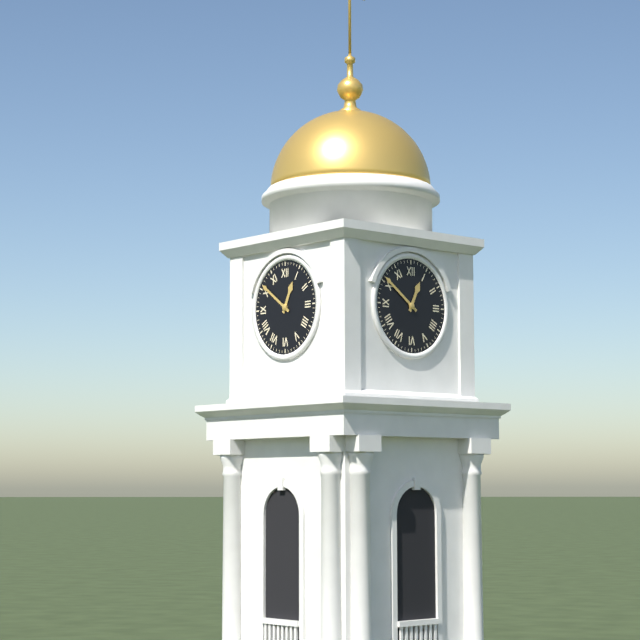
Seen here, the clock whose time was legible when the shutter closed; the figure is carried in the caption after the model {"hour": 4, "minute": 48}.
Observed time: {"hour": 12, "minute": 51}
